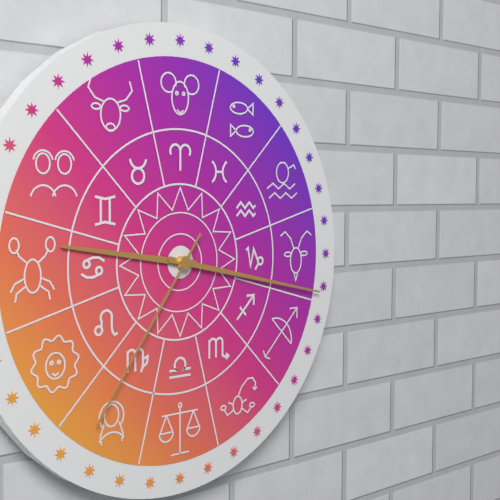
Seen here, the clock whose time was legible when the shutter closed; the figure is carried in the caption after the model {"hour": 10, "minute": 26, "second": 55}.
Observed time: {"hour": 9, "minute": 17, "second": 36}
